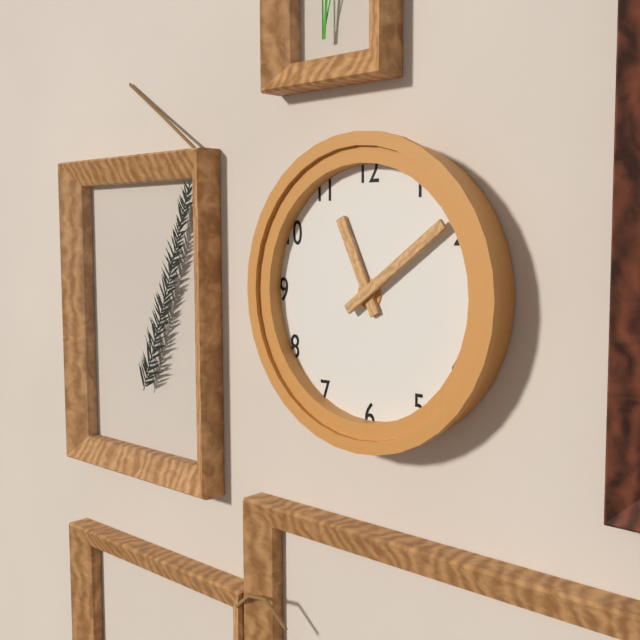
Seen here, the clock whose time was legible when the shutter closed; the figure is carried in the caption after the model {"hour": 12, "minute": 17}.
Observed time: {"hour": 11, "minute": 9}
